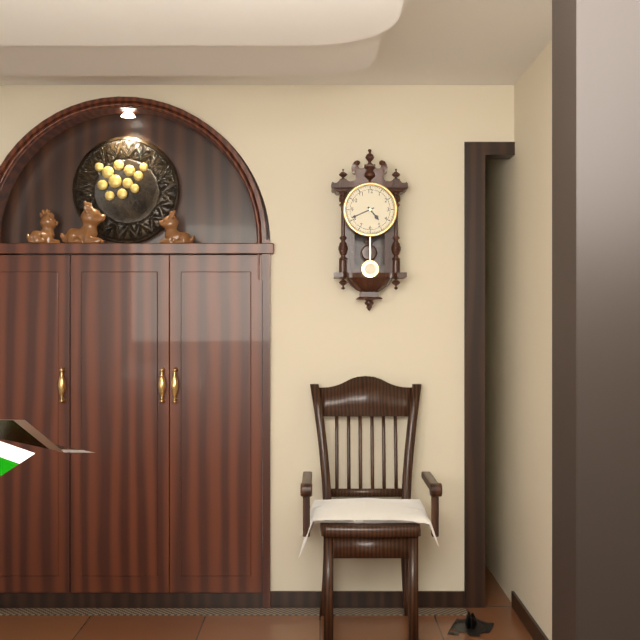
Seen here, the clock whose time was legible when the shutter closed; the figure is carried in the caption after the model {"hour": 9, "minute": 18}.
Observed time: {"hour": 4, "minute": 41}
